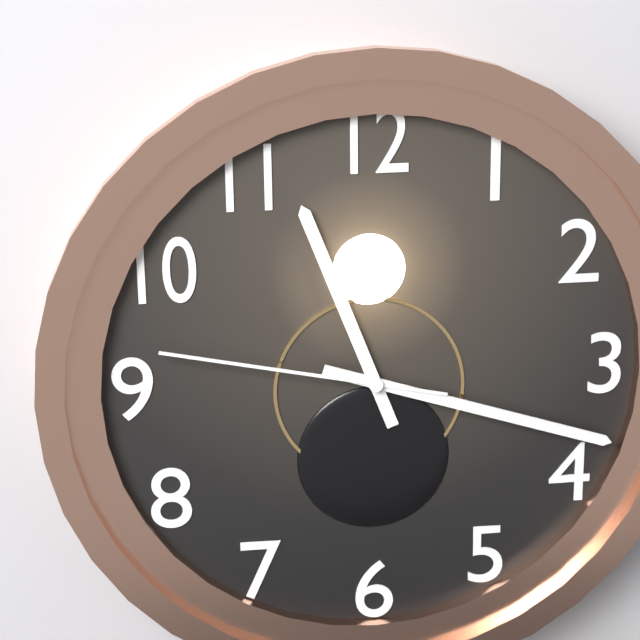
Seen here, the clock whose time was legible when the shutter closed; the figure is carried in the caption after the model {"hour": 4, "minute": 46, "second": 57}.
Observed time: {"hour": 11, "minute": 18, "second": 47}
